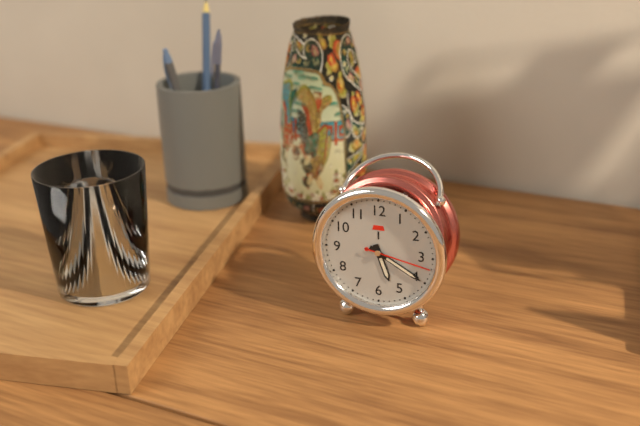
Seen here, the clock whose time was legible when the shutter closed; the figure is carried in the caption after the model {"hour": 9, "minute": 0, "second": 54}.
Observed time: {"hour": 5, "minute": 20, "second": 17}
